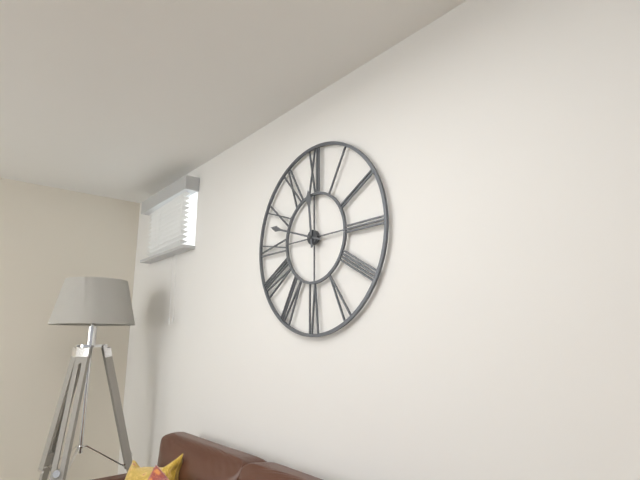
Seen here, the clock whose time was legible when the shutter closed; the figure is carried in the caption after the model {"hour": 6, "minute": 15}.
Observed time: {"hour": 11, "minute": 48}
